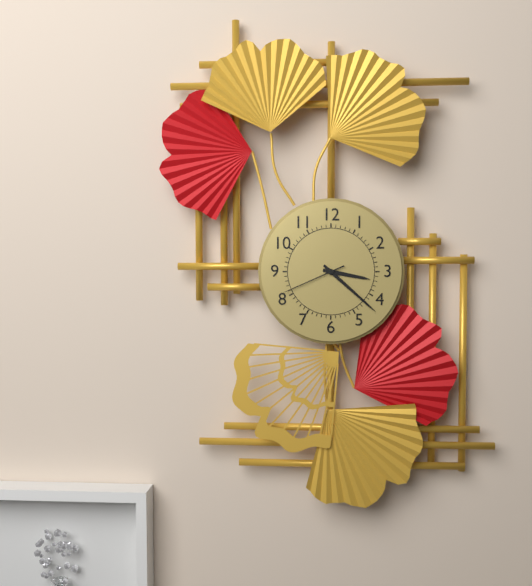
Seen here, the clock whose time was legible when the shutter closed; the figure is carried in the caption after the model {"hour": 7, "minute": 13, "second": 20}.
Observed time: {"hour": 3, "minute": 22, "second": 41}
